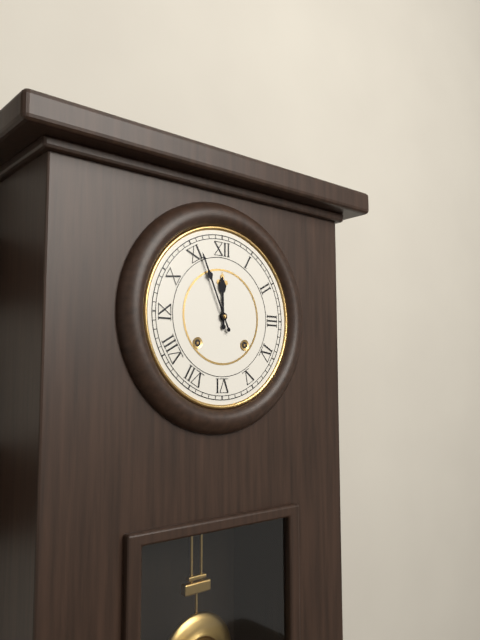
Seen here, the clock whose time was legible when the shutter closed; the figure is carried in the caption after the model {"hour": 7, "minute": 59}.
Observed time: {"hour": 11, "minute": 56}
